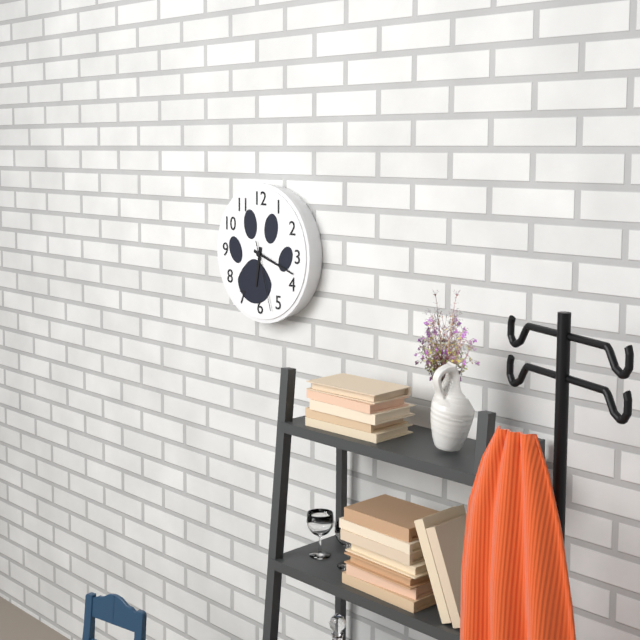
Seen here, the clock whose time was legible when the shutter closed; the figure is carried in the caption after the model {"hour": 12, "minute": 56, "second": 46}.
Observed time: {"hour": 6, "minute": 18, "second": 27}
